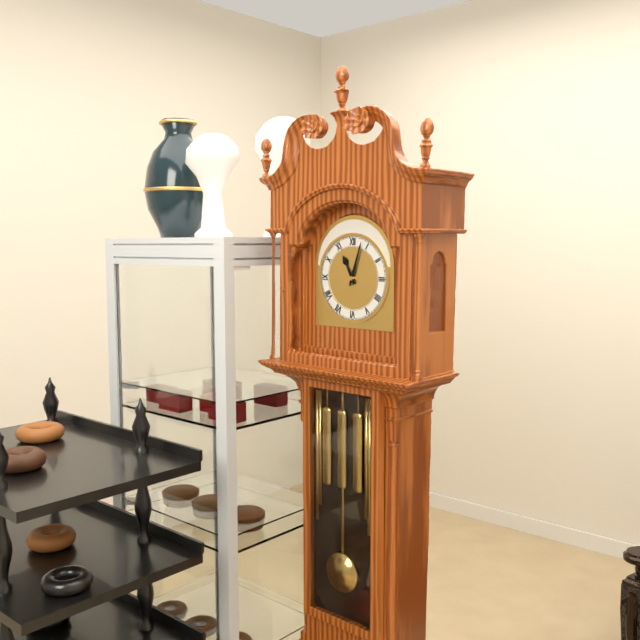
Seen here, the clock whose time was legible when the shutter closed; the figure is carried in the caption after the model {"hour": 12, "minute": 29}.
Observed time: {"hour": 11, "minute": 3}
